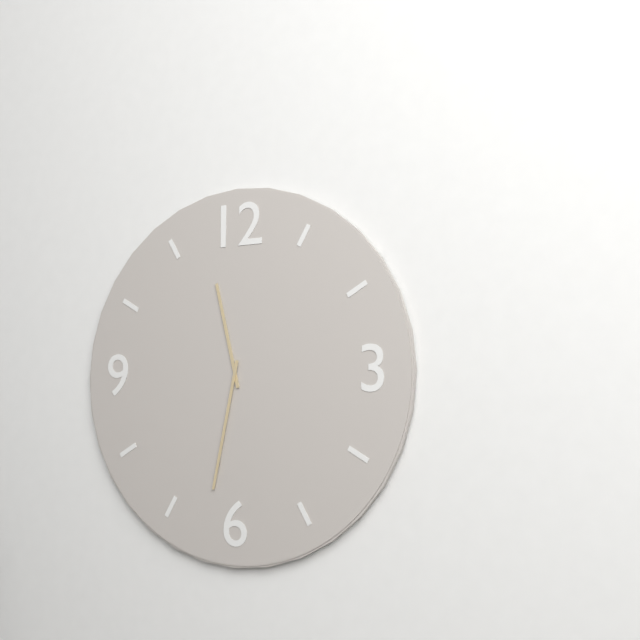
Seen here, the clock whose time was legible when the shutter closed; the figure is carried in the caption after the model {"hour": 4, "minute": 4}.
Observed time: {"hour": 11, "minute": 32}
